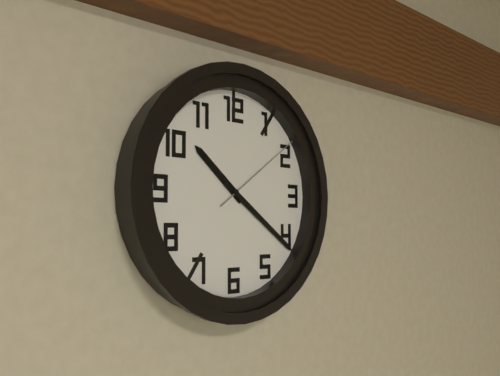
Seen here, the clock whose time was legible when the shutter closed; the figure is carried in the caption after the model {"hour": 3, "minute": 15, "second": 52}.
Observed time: {"hour": 10, "minute": 21, "second": 9}
